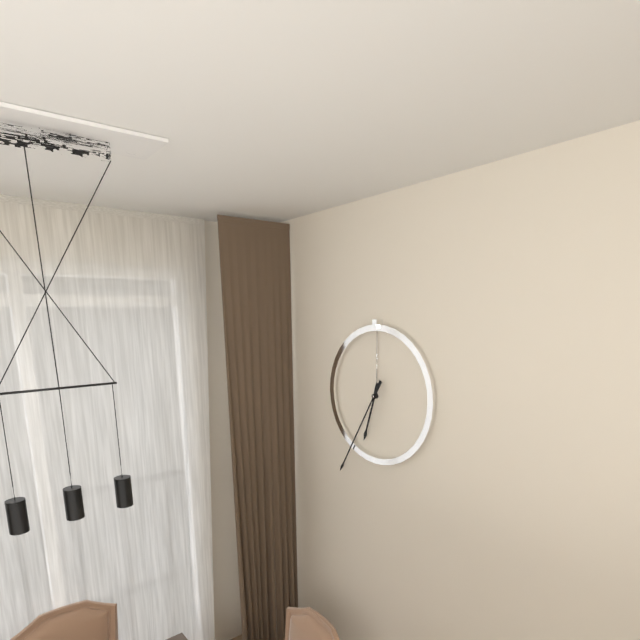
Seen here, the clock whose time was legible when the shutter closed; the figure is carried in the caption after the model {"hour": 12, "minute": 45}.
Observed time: {"hour": 6, "minute": 35}
